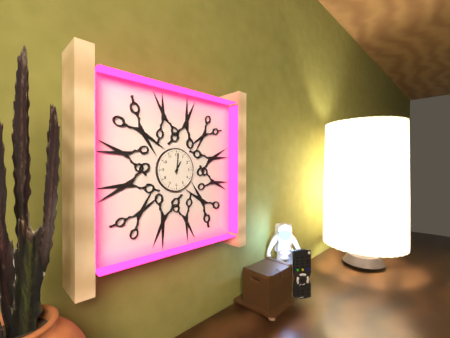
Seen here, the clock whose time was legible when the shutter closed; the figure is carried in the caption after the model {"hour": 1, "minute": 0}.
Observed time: {"hour": 1, "minute": 1}
